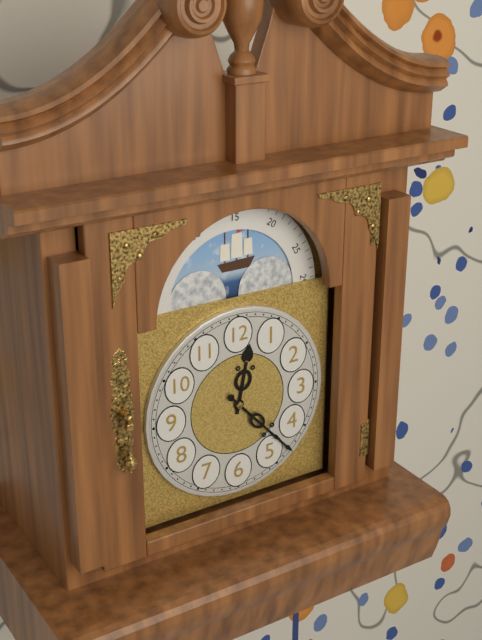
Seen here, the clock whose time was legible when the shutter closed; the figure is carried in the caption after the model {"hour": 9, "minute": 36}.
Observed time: {"hour": 12, "minute": 23}
